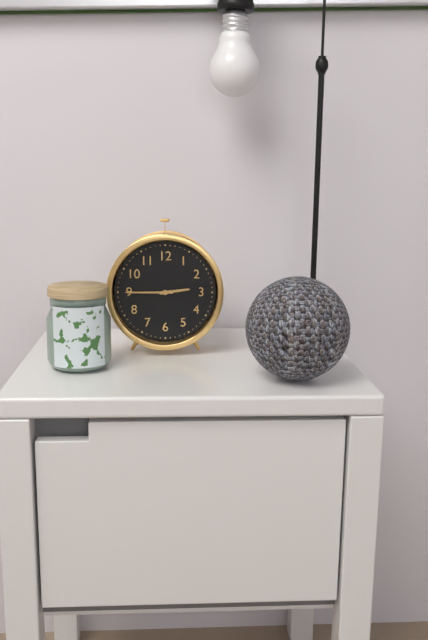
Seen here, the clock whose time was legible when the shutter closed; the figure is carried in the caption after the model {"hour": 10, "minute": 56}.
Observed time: {"hour": 2, "minute": 45}
